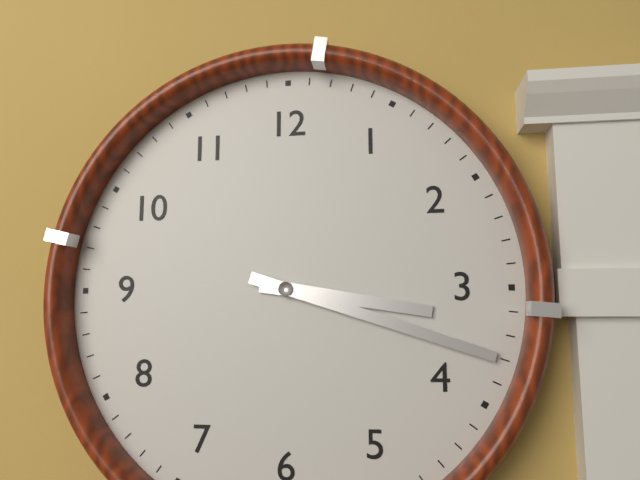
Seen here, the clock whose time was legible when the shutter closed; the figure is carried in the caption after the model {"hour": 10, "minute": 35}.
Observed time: {"hour": 3, "minute": 18}
